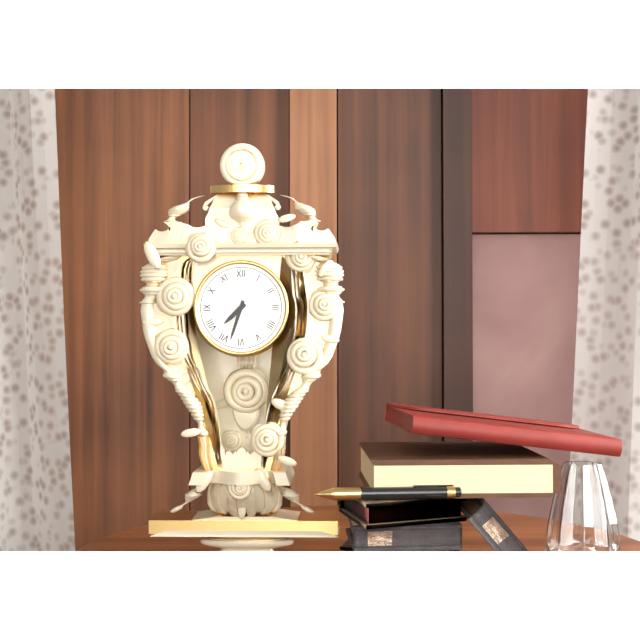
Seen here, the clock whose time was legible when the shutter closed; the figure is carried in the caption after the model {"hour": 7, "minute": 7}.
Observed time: {"hour": 7, "minute": 33}
